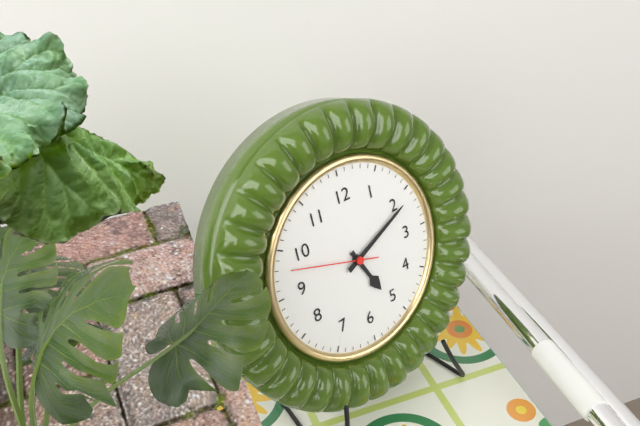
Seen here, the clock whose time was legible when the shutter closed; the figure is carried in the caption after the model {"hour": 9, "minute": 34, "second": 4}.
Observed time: {"hour": 5, "minute": 11, "second": 48}
